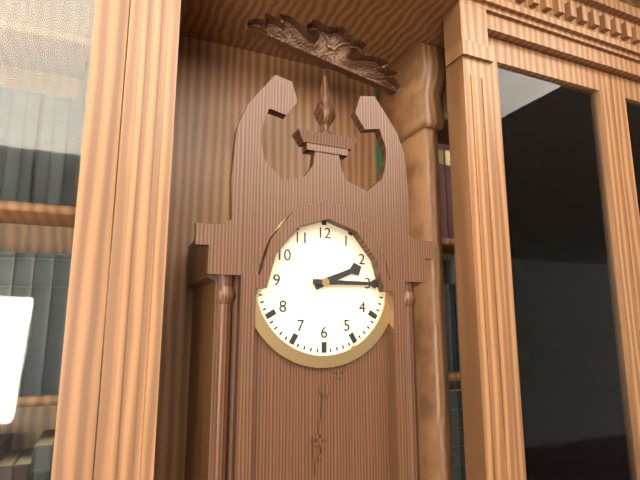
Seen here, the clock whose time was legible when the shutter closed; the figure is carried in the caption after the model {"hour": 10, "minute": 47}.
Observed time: {"hour": 2, "minute": 15}
